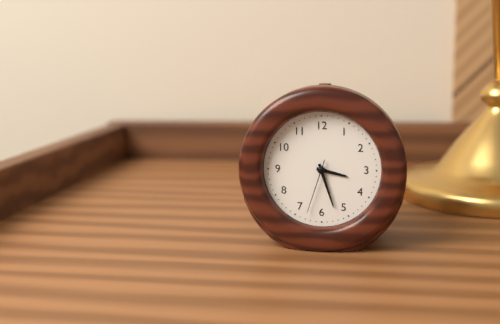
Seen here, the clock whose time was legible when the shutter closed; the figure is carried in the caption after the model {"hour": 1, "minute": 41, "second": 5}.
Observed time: {"hour": 3, "minute": 27, "second": 33}
